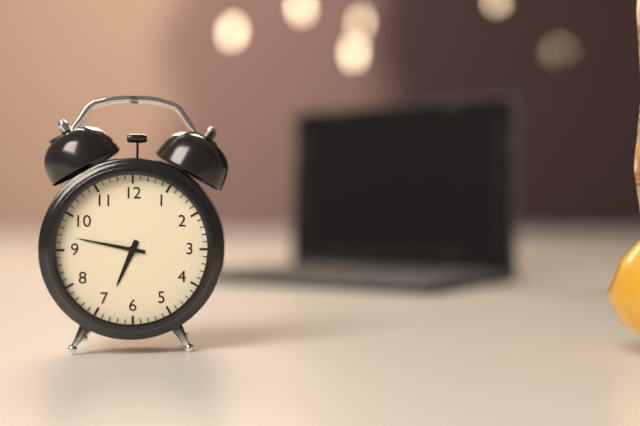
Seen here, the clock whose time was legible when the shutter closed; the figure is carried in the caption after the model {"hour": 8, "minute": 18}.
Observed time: {"hour": 6, "minute": 47}
